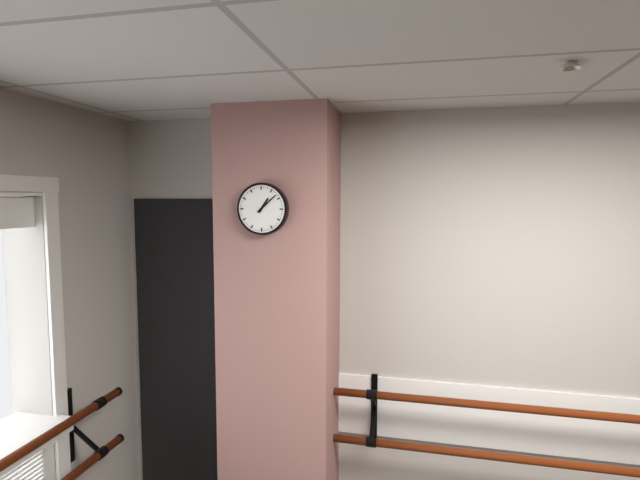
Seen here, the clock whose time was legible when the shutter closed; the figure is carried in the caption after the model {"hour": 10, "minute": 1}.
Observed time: {"hour": 1, "minute": 8}
